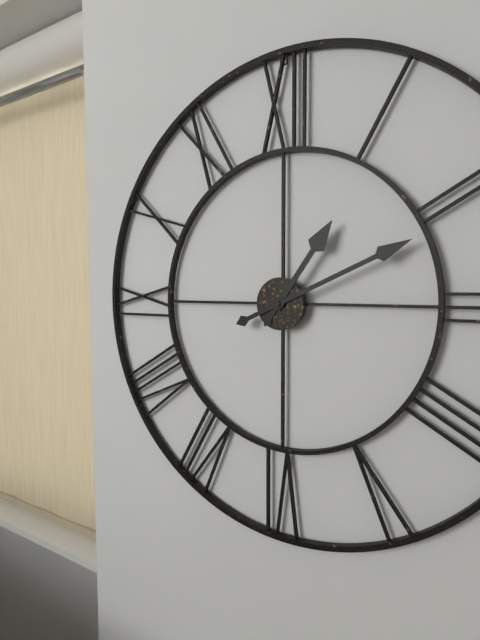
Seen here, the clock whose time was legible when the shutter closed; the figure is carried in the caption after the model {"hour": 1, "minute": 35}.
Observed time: {"hour": 1, "minute": 11}
